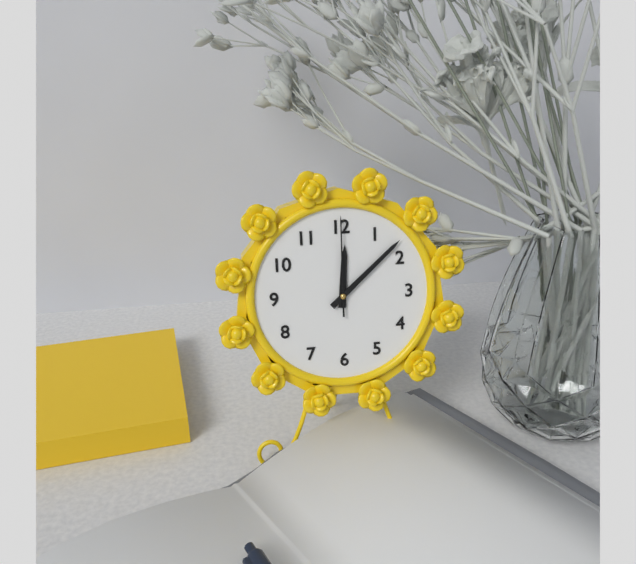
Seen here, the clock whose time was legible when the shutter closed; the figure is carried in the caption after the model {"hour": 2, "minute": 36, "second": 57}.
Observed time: {"hour": 12, "minute": 8, "second": 0}
